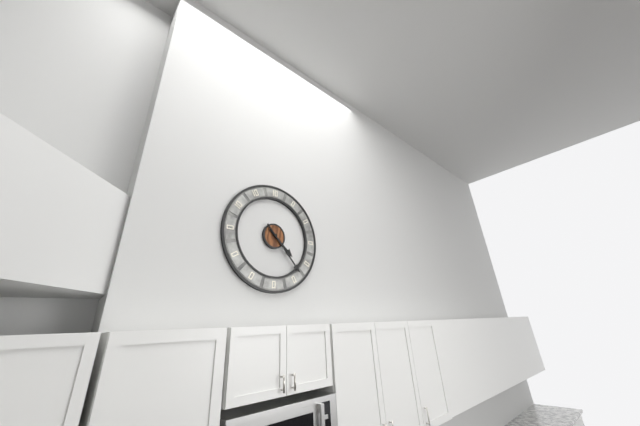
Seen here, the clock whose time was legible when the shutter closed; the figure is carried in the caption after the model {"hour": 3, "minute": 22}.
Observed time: {"hour": 4, "minute": 23}
